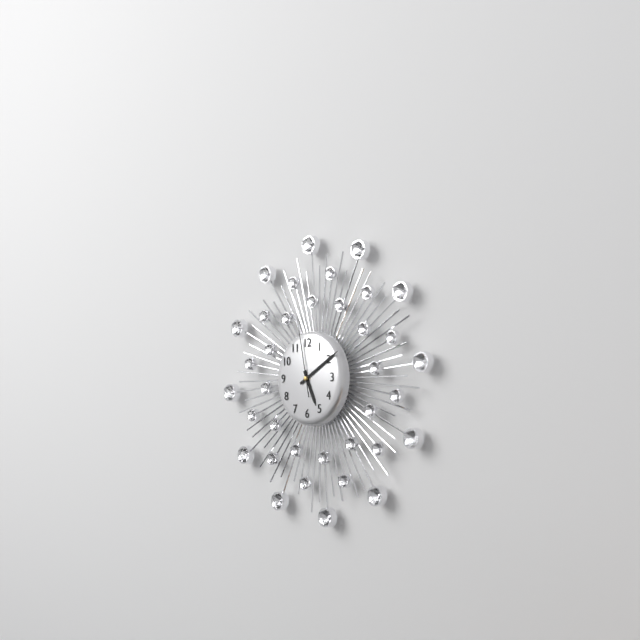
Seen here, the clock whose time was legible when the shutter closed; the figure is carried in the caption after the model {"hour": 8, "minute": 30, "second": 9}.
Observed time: {"hour": 5, "minute": 10, "second": 58}
